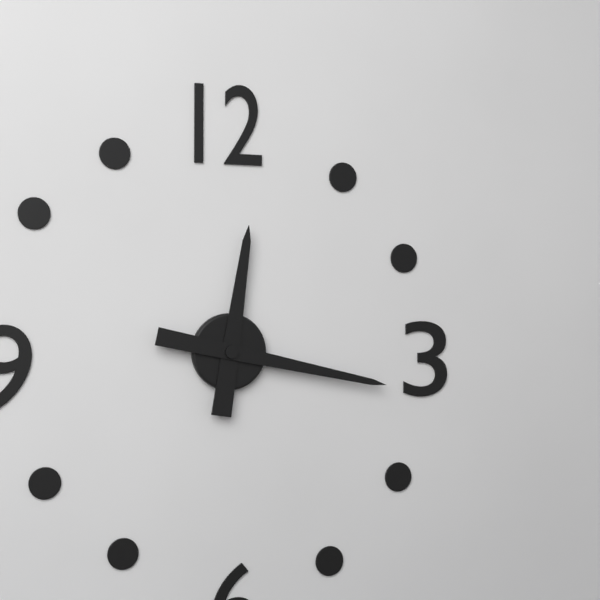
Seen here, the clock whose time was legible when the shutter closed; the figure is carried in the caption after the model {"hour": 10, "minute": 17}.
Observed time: {"hour": 12, "minute": 17}
